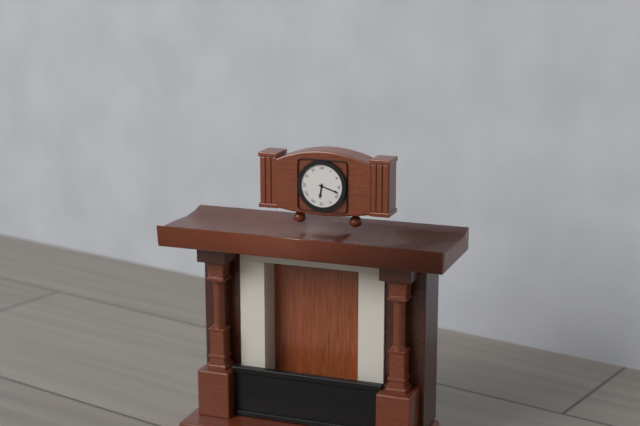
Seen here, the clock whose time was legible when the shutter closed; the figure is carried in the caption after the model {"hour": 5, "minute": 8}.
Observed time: {"hour": 6, "minute": 18}
